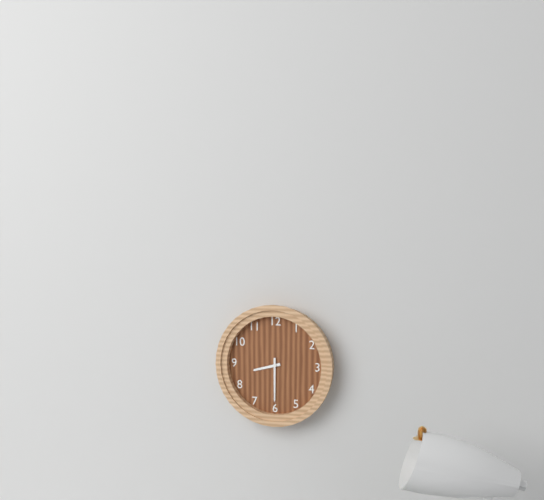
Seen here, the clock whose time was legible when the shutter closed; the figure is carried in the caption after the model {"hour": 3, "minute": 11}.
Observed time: {"hour": 8, "minute": 30}
